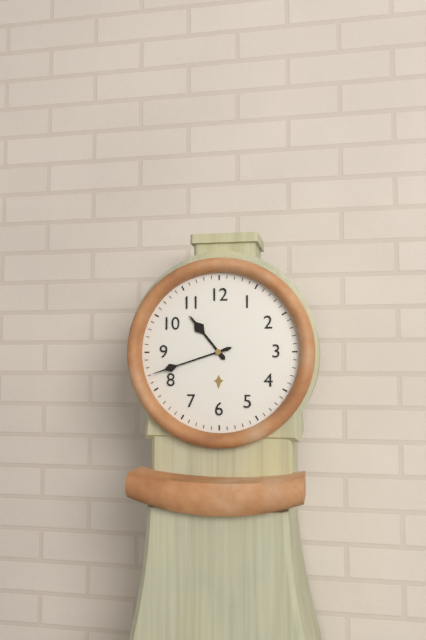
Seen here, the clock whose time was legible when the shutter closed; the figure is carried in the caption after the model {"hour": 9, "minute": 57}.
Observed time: {"hour": 10, "minute": 42}
